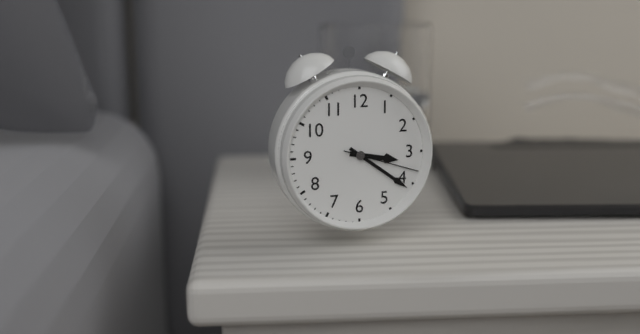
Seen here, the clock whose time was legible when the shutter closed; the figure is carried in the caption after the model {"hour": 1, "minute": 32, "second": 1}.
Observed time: {"hour": 3, "minute": 21, "second": 18}
